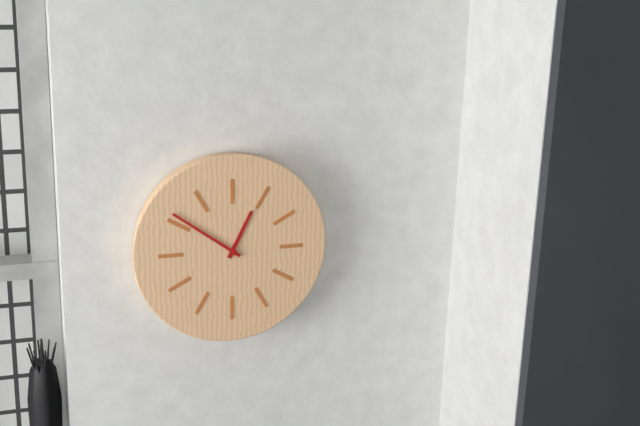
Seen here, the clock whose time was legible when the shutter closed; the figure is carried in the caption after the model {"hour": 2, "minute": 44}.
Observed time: {"hour": 12, "minute": 51}
